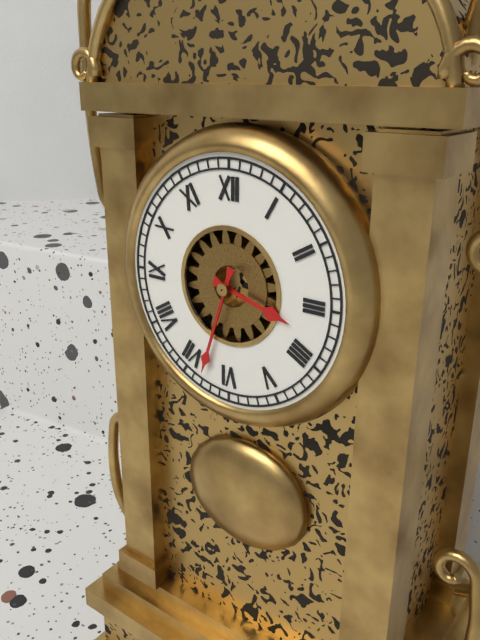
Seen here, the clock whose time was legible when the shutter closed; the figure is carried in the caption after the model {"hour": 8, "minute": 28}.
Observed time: {"hour": 3, "minute": 33}
